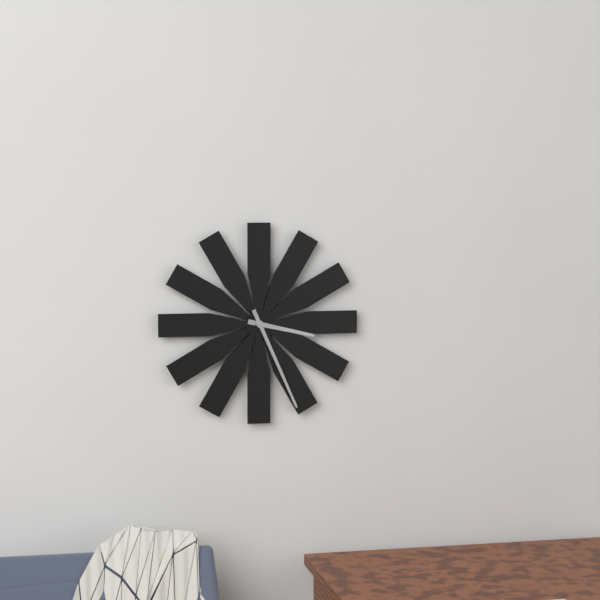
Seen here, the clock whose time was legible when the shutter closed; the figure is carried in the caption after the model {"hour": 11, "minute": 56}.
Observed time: {"hour": 3, "minute": 26}
